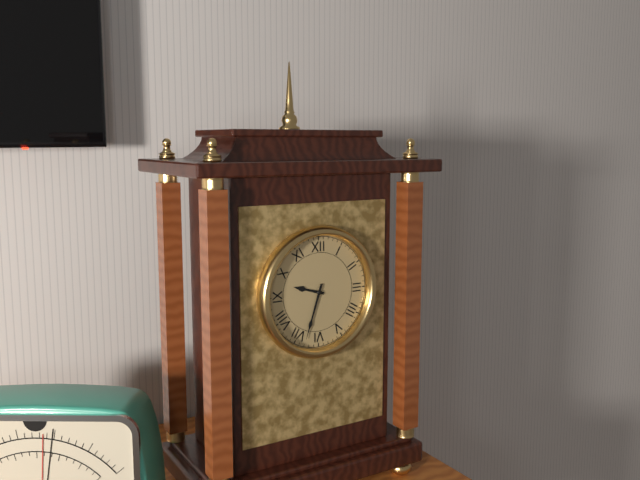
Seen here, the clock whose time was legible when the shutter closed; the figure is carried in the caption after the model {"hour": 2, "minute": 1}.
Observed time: {"hour": 9, "minute": 33}
